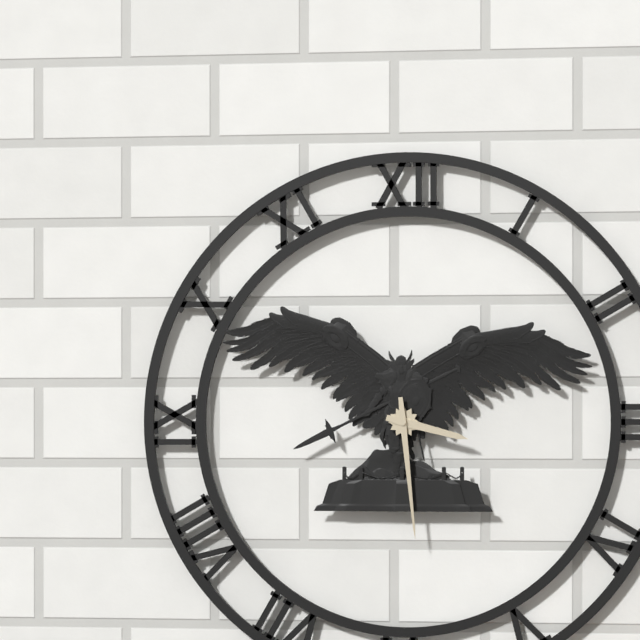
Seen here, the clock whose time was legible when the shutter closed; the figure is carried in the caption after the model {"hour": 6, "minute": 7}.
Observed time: {"hour": 3, "minute": 29}
